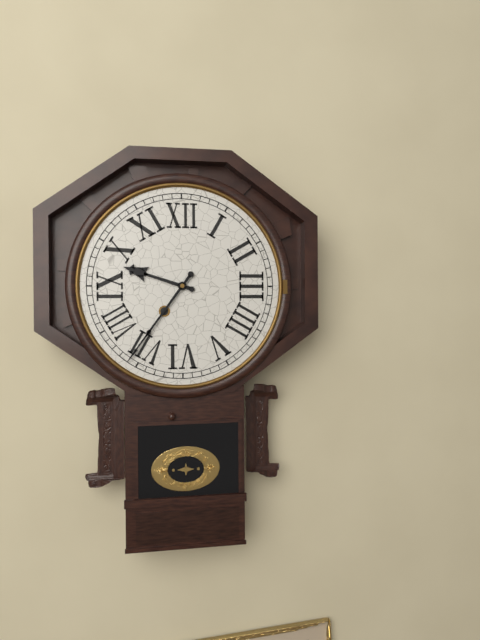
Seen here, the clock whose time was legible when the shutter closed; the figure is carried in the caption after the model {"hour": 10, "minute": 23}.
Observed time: {"hour": 9, "minute": 36}
